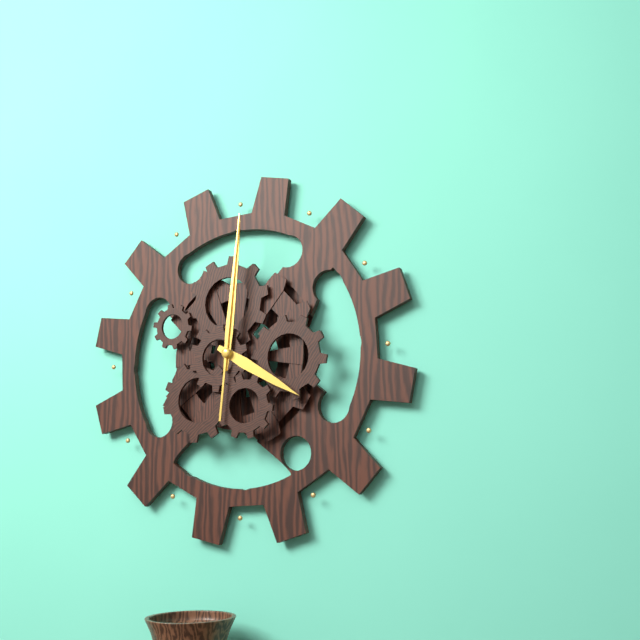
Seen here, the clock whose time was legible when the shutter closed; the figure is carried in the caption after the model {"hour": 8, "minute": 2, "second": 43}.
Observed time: {"hour": 4, "minute": 1, "second": 1}
